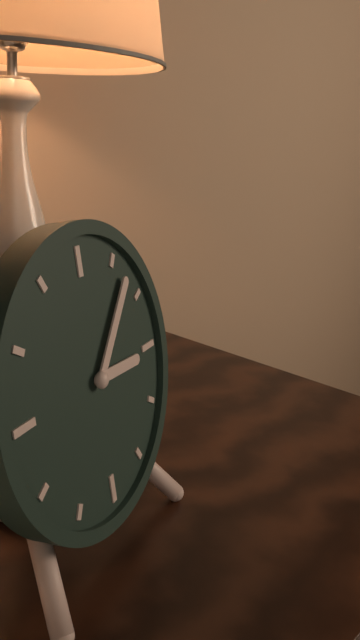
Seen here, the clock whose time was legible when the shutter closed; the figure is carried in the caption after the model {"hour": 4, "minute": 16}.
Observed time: {"hour": 3, "minute": 7}
